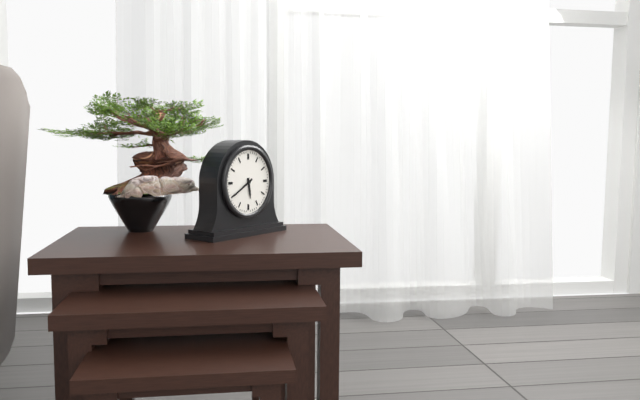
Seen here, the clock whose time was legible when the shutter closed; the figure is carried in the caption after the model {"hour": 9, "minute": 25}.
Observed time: {"hour": 5, "minute": 40}
